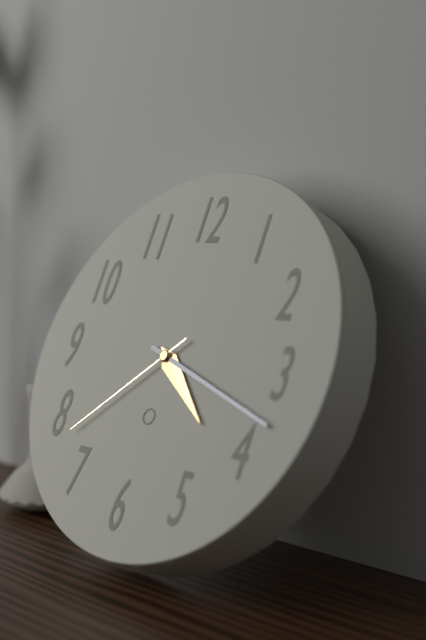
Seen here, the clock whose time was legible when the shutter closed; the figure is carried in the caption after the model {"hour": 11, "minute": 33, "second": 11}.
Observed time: {"hour": 4, "minute": 18, "second": 38}
